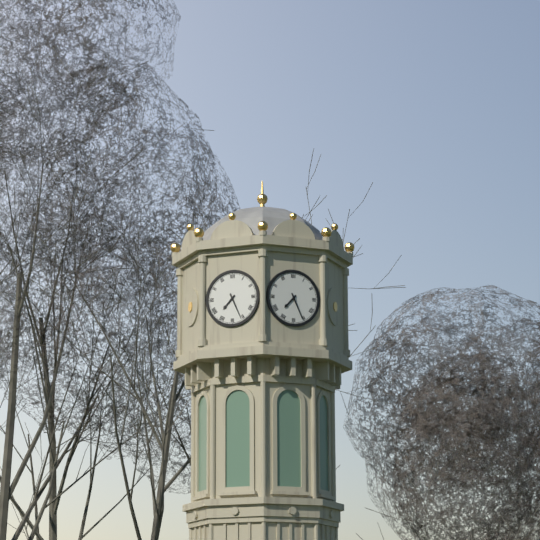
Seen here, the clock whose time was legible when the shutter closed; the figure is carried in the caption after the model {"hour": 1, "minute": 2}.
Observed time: {"hour": 7, "minute": 26}
